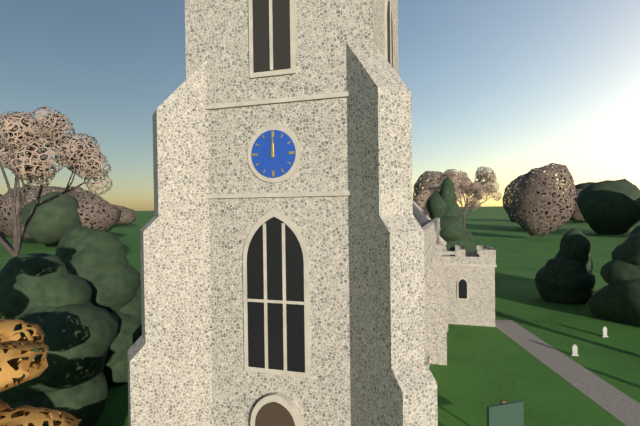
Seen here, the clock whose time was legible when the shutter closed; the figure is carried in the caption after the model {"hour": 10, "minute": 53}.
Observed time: {"hour": 12, "minute": 0}
